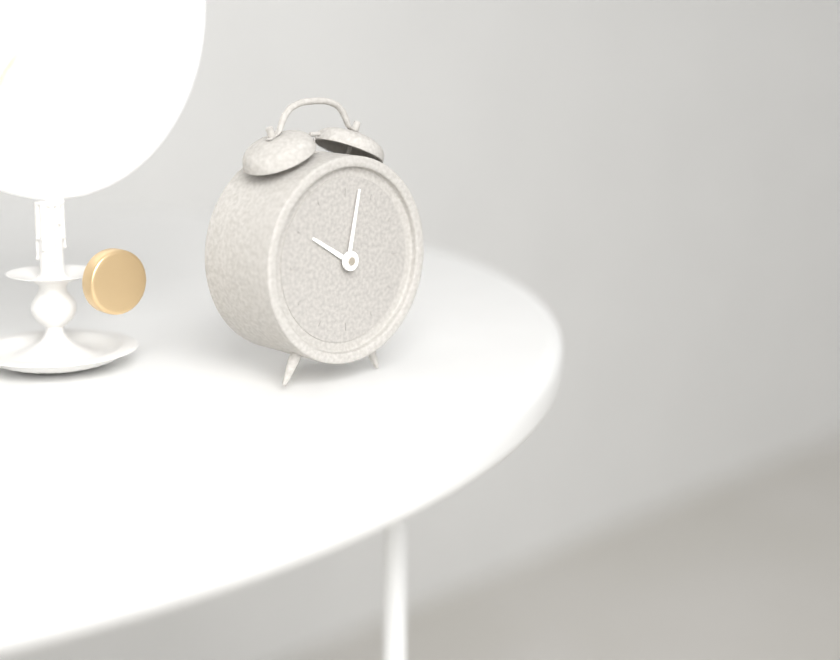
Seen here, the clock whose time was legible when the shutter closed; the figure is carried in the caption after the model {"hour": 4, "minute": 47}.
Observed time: {"hour": 10, "minute": 2}
